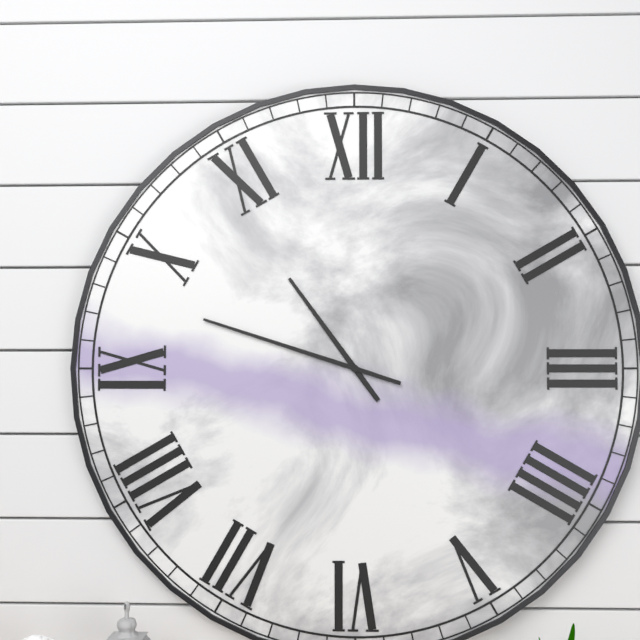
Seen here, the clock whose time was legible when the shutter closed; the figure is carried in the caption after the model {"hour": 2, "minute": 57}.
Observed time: {"hour": 10, "minute": 48}
